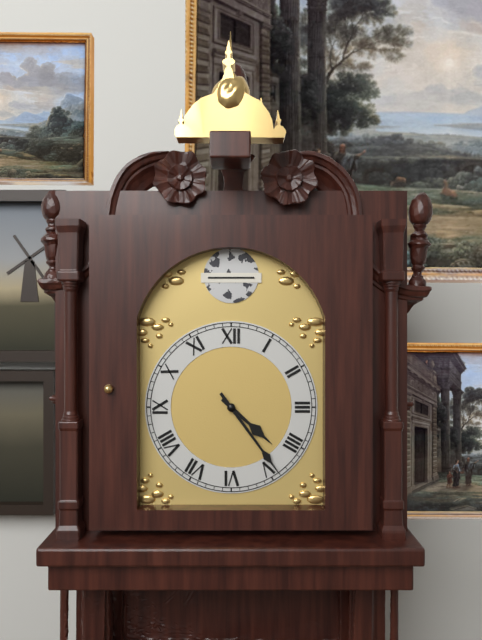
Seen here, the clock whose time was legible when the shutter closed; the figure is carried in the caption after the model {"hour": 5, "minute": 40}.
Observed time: {"hour": 4, "minute": 24}
